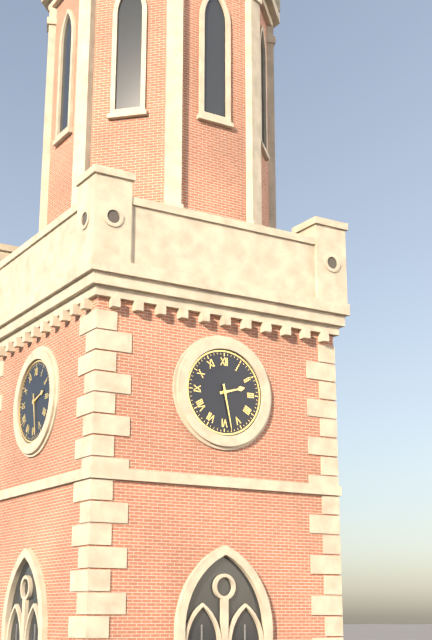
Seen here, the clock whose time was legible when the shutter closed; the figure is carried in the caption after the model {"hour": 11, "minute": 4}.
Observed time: {"hour": 2, "minute": 28}
